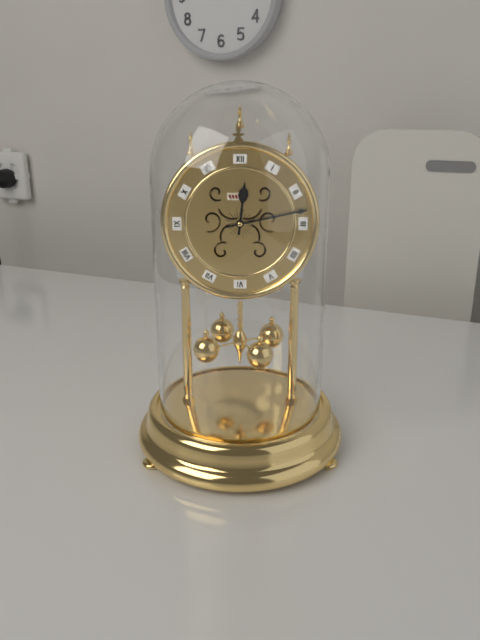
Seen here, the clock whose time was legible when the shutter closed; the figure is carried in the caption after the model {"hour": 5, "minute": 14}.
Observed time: {"hour": 12, "minute": 13}
